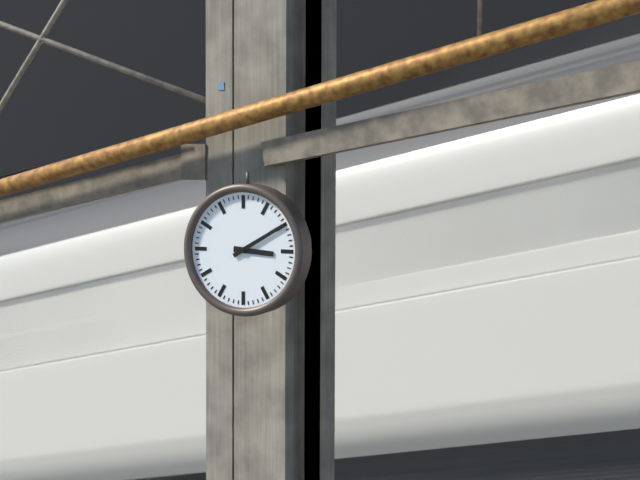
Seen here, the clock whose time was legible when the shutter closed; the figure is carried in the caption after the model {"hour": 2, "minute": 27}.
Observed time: {"hour": 3, "minute": 10}
